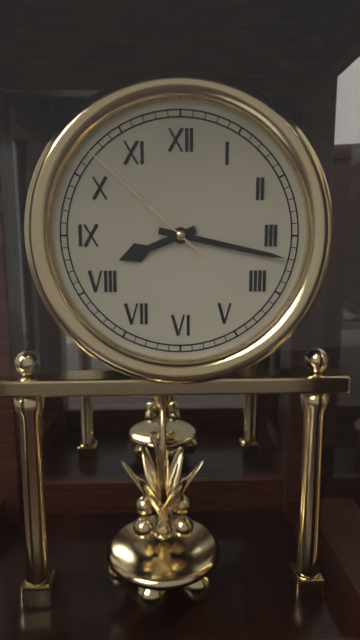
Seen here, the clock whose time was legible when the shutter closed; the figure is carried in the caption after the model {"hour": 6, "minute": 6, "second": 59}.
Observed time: {"hour": 8, "minute": 17, "second": 52}
